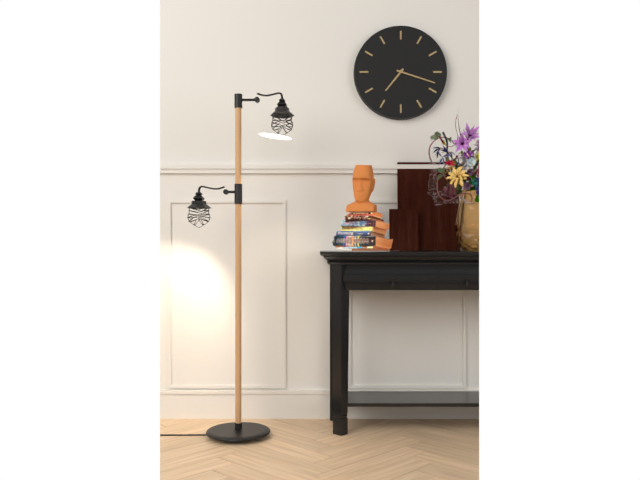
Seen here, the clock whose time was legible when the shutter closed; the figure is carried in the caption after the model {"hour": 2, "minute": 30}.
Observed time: {"hour": 7, "minute": 18}
